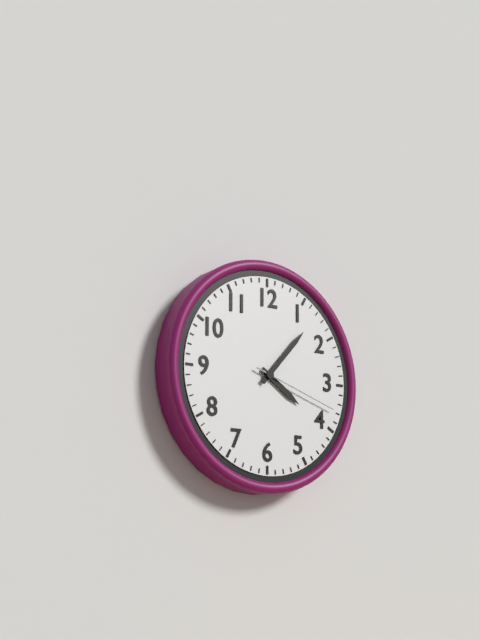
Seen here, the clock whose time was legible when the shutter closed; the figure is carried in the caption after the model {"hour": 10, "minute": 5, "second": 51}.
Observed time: {"hour": 4, "minute": 7, "second": 18}
